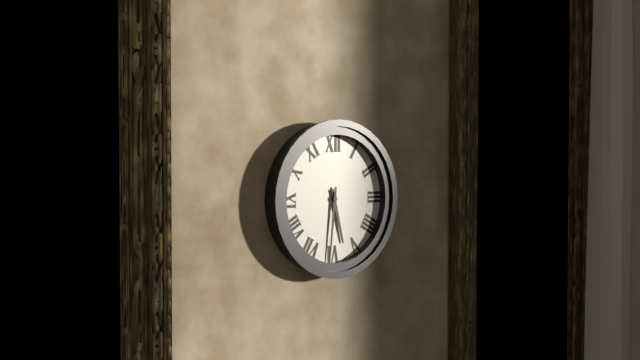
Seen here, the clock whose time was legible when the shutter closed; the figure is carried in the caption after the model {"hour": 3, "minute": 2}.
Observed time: {"hour": 5, "minute": 31}
